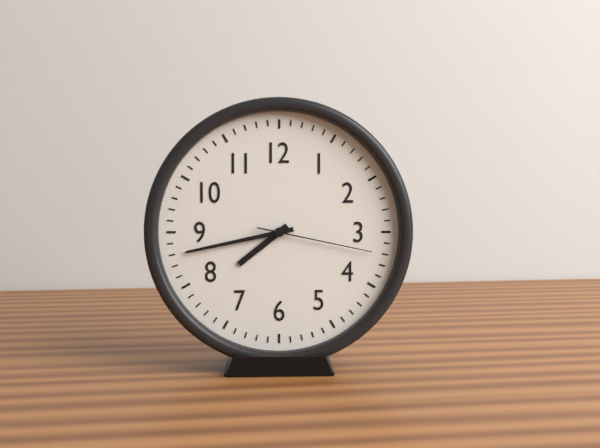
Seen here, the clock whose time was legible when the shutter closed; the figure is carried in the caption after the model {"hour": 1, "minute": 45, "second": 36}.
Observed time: {"hour": 7, "minute": 43, "second": 17}
